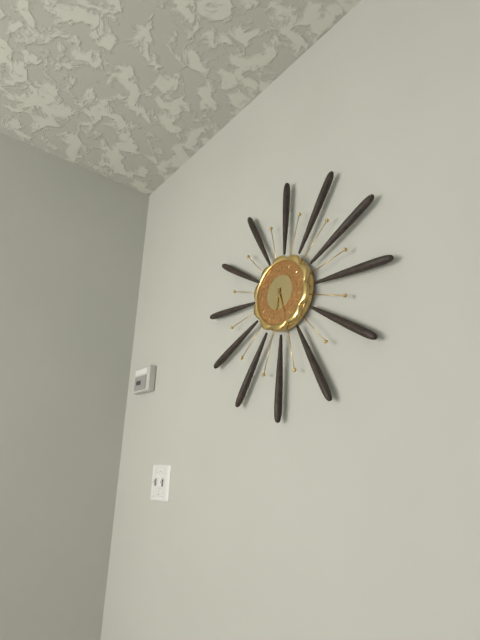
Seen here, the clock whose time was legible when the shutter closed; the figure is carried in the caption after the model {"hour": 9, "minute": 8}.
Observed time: {"hour": 6, "minute": 27}
